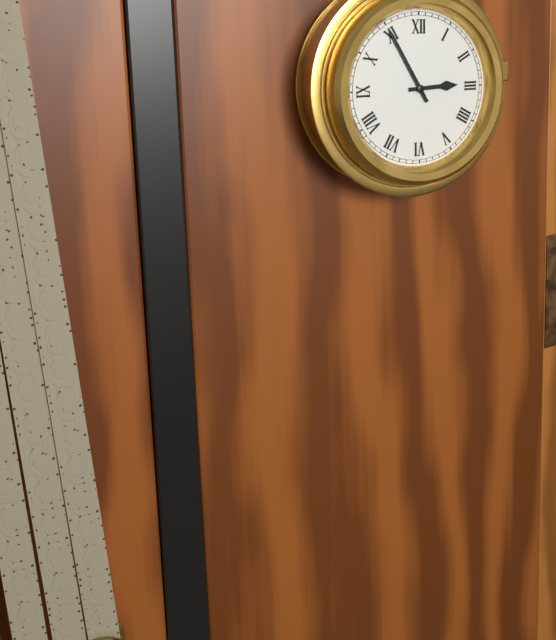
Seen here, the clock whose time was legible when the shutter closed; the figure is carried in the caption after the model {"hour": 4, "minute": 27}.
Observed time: {"hour": 2, "minute": 55}
